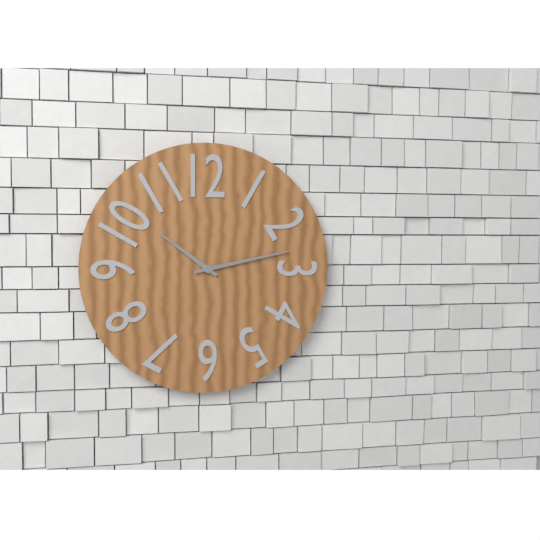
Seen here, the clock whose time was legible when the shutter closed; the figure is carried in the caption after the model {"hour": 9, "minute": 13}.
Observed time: {"hour": 10, "minute": 13}
